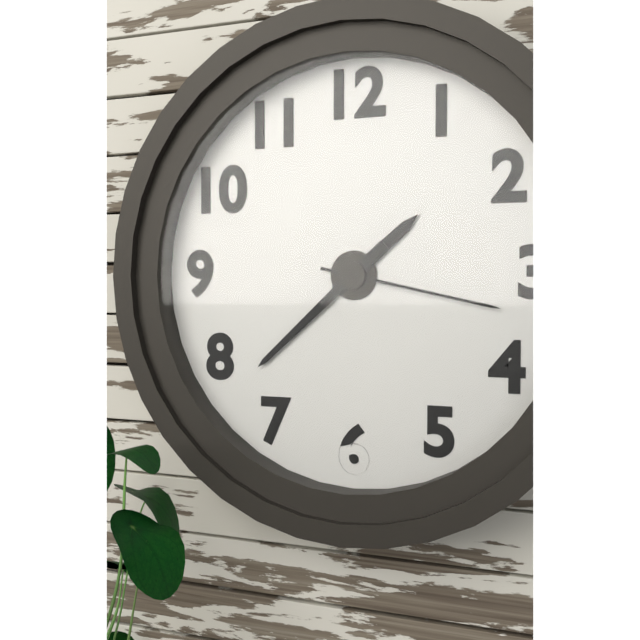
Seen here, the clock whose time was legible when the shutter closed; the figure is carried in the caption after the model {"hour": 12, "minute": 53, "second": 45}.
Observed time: {"hour": 1, "minute": 38, "second": 17}
